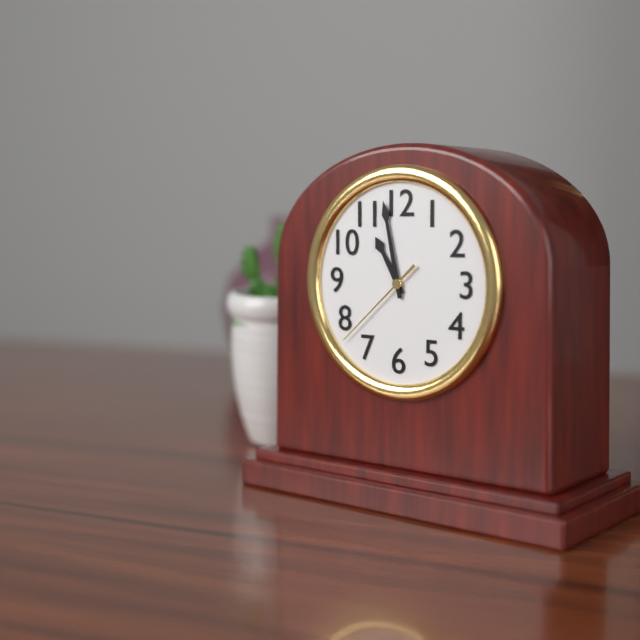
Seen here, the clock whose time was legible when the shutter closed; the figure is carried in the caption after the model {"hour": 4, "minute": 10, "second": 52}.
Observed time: {"hour": 10, "minute": 58, "second": 38}
